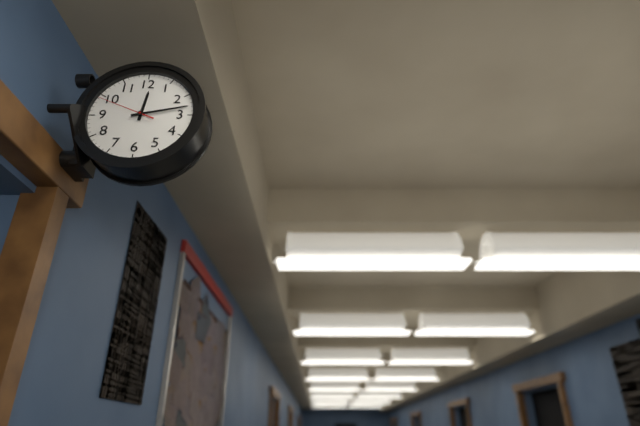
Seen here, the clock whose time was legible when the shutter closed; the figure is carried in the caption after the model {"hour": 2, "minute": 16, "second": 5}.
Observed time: {"hour": 12, "minute": 13, "second": 49}
